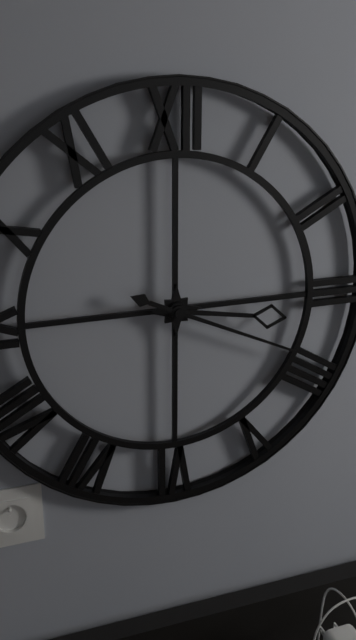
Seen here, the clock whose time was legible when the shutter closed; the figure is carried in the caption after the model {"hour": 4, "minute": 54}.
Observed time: {"hour": 3, "minute": 19}
